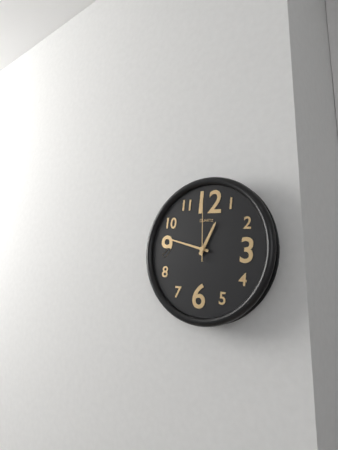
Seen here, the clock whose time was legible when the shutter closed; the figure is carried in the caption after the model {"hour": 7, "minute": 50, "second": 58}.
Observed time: {"hour": 12, "minute": 47, "second": 59}
